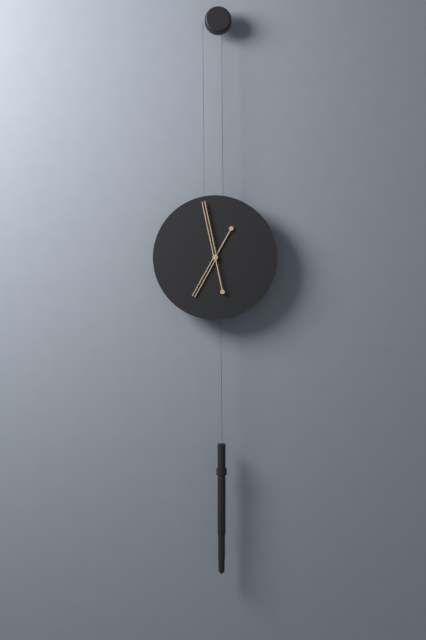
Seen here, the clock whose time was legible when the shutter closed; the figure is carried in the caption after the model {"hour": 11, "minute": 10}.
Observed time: {"hour": 6, "minute": 58}
